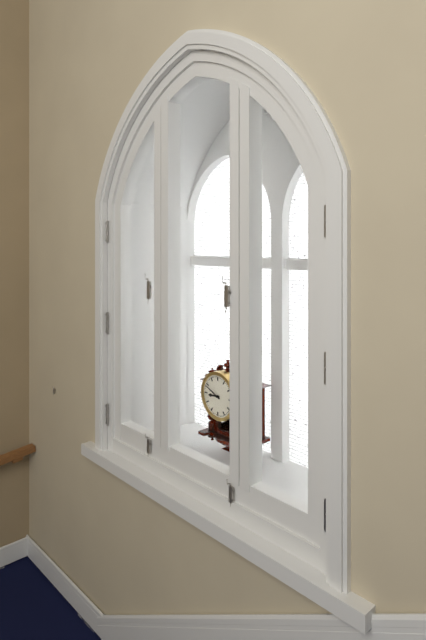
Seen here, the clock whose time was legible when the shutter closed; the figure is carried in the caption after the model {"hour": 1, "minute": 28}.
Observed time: {"hour": 8, "minute": 49}
